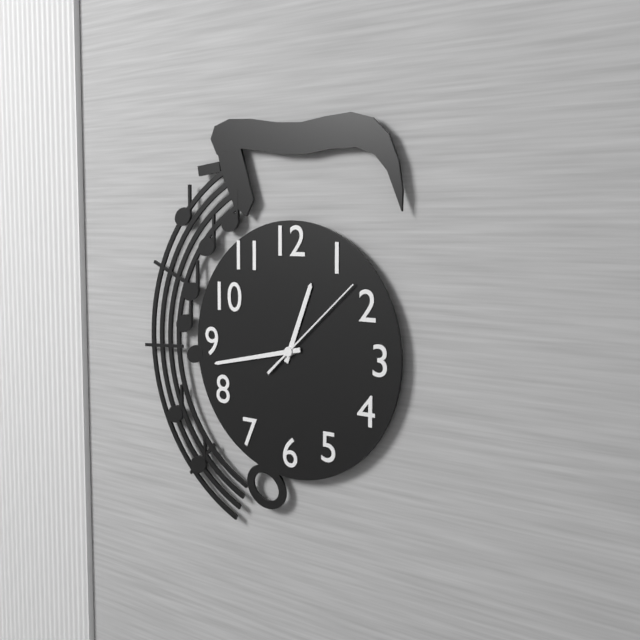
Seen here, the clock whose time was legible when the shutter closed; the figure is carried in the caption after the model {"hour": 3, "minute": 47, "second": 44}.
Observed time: {"hour": 12, "minute": 43, "second": 8}
